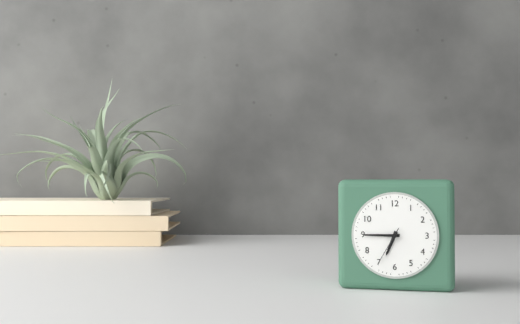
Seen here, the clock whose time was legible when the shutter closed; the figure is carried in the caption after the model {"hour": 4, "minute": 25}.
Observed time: {"hour": 6, "minute": 45}
